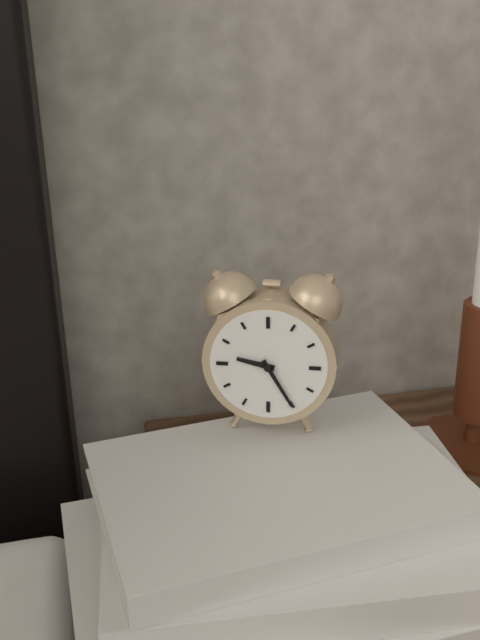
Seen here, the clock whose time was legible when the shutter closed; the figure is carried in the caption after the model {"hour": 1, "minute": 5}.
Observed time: {"hour": 9, "minute": 25}
